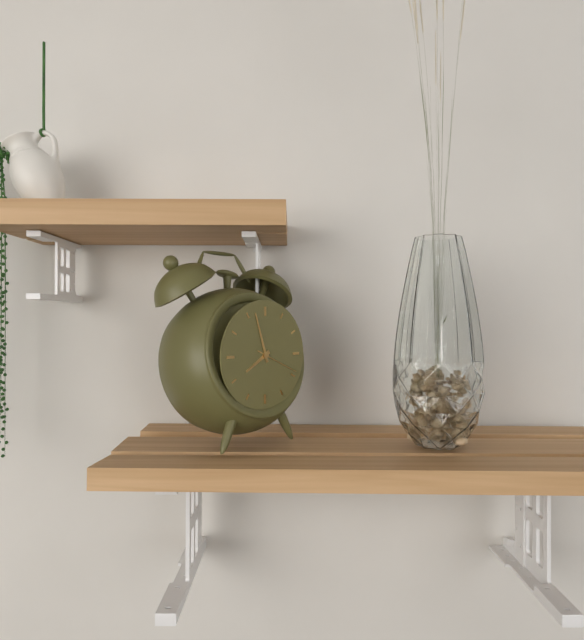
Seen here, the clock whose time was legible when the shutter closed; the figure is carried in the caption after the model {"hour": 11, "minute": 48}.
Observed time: {"hour": 7, "minute": 57}
